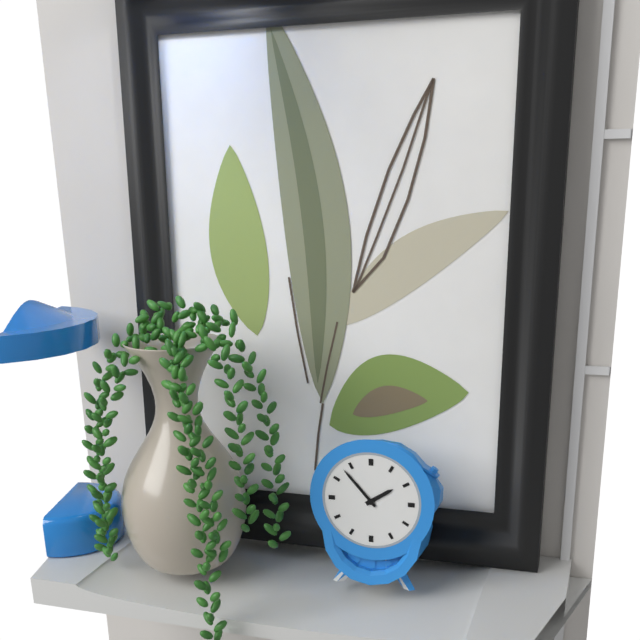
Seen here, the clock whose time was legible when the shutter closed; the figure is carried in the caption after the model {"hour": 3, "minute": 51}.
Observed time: {"hour": 1, "minute": 53}
